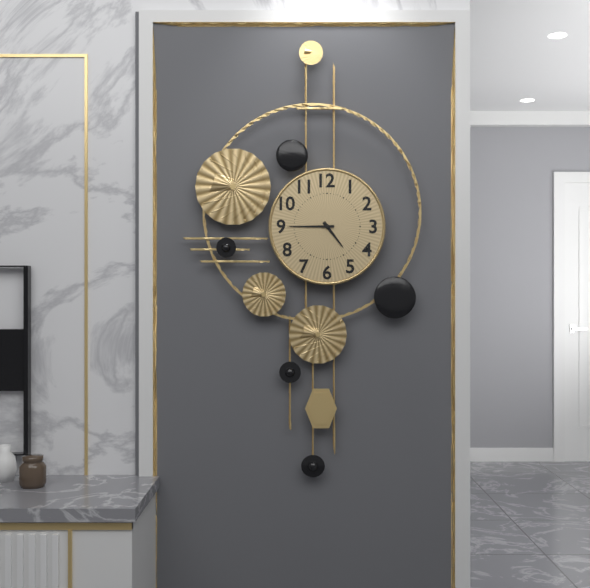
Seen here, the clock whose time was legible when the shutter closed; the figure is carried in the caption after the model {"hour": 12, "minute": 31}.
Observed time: {"hour": 4, "minute": 45}
